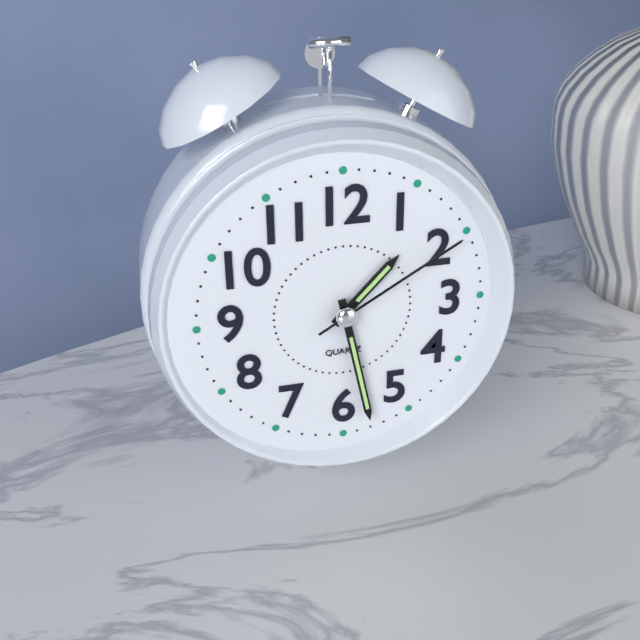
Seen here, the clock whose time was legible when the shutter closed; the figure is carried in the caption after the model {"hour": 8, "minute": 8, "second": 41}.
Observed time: {"hour": 1, "minute": 28, "second": 10}
